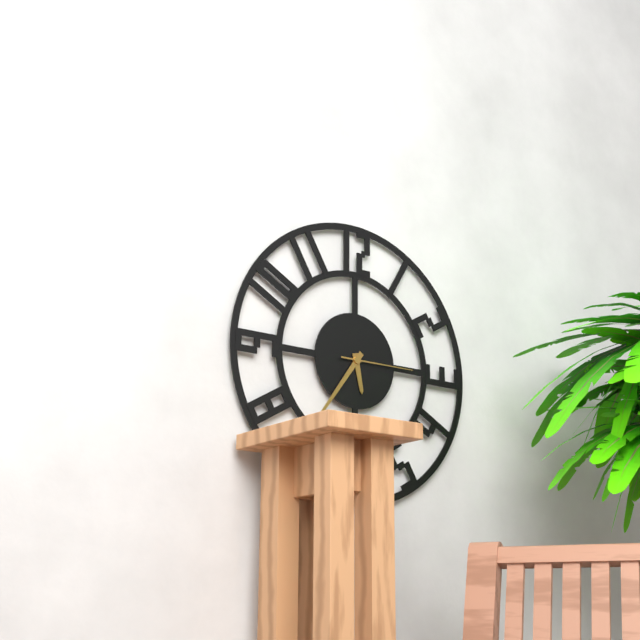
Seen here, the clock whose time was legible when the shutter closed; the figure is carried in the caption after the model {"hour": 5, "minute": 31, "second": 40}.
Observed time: {"hour": 5, "minute": 36, "second": 15}
